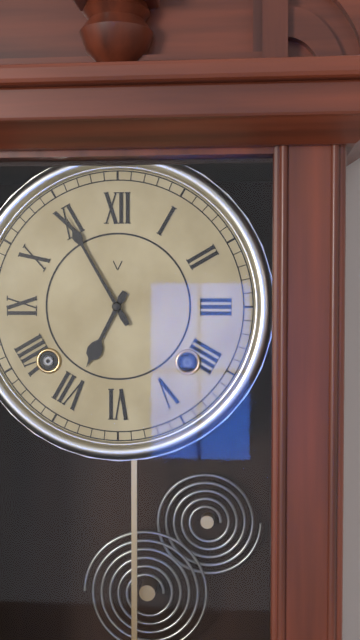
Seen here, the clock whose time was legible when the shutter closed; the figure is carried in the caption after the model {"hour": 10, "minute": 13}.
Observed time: {"hour": 6, "minute": 55}
